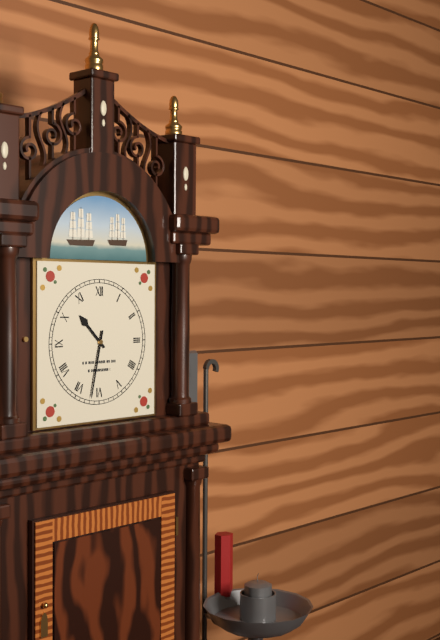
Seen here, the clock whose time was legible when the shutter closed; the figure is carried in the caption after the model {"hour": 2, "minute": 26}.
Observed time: {"hour": 10, "minute": 32}
